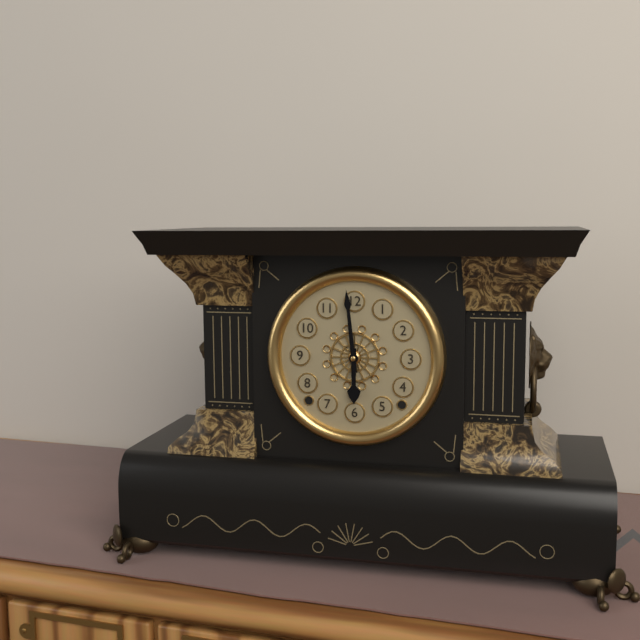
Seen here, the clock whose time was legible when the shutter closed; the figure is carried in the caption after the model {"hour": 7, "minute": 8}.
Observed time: {"hour": 5, "minute": 59}
